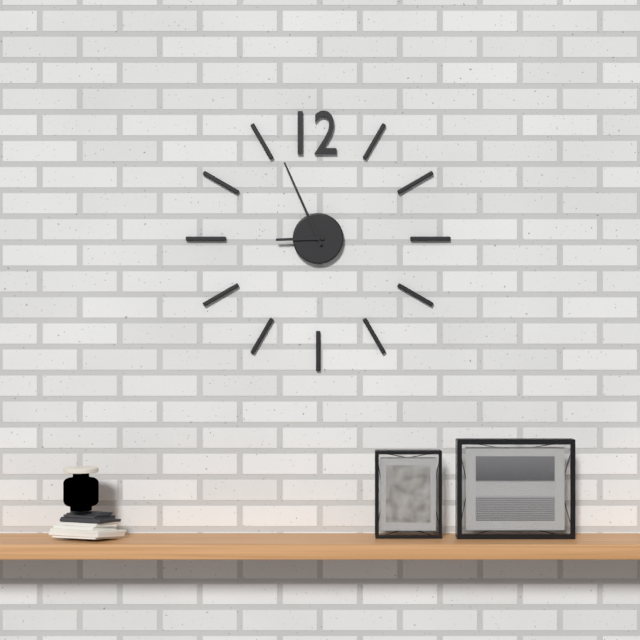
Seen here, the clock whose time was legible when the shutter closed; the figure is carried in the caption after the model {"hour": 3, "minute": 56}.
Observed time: {"hour": 8, "minute": 56}
